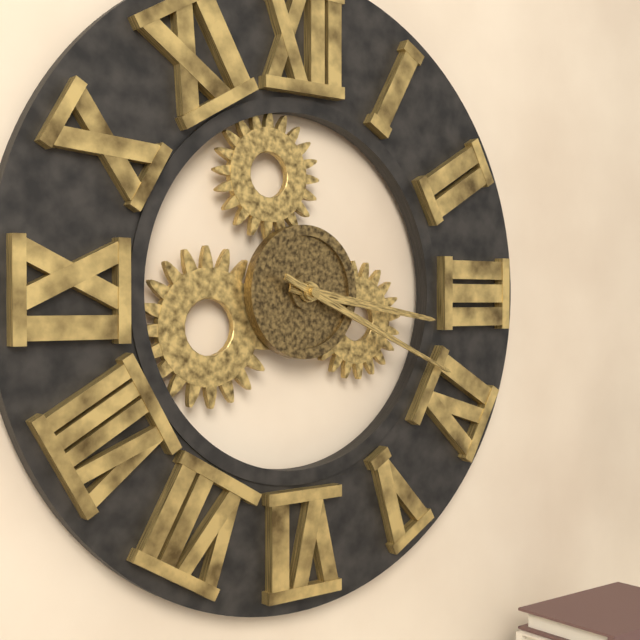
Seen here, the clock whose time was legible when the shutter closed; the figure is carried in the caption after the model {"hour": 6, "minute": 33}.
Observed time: {"hour": 3, "minute": 19}
